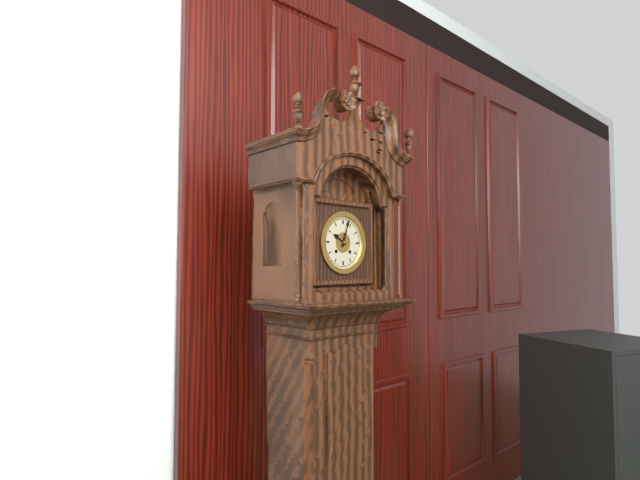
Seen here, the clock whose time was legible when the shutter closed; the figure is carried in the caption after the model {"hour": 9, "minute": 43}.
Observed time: {"hour": 10, "minute": 3}
